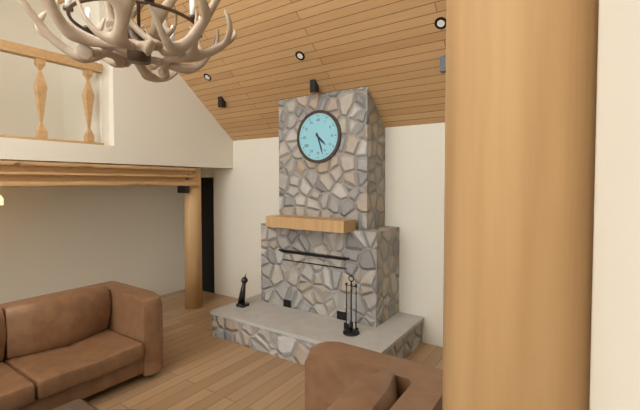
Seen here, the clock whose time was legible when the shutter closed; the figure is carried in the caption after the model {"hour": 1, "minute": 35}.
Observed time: {"hour": 4, "minute": 27}
